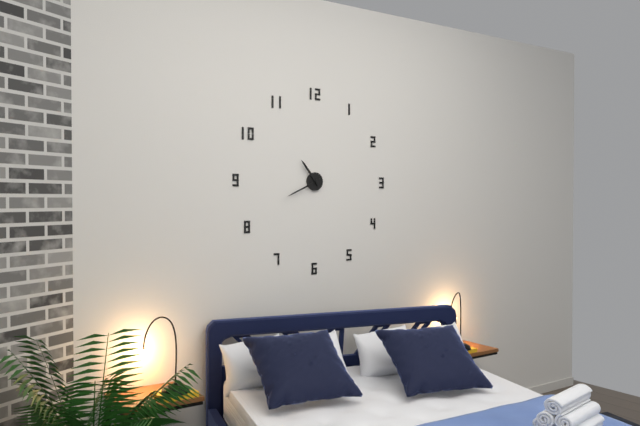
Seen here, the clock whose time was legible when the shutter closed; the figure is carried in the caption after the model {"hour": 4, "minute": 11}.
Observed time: {"hour": 10, "minute": 41}
